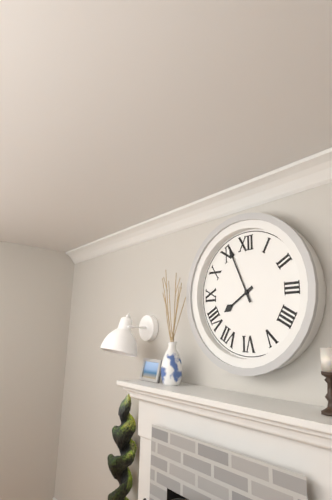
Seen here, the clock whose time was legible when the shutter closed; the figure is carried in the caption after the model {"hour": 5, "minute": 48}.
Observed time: {"hour": 7, "minute": 56}
